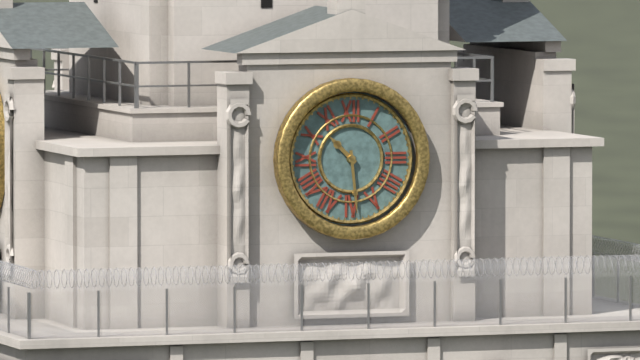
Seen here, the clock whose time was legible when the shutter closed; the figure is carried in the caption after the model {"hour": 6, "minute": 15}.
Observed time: {"hour": 10, "minute": 29}
